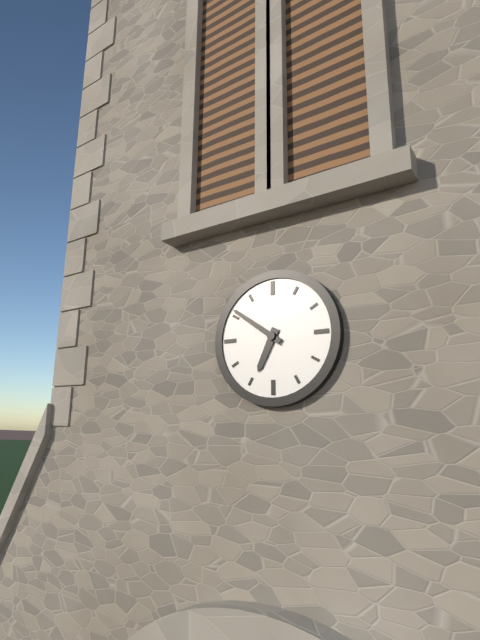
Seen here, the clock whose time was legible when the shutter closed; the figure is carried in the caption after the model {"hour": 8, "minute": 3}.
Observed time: {"hour": 6, "minute": 51}
